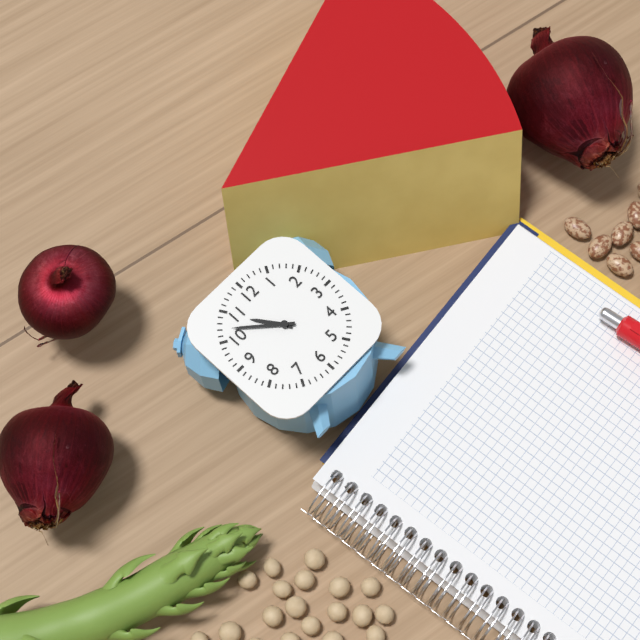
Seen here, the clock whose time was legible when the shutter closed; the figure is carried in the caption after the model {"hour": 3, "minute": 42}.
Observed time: {"hour": 10, "minute": 52}
